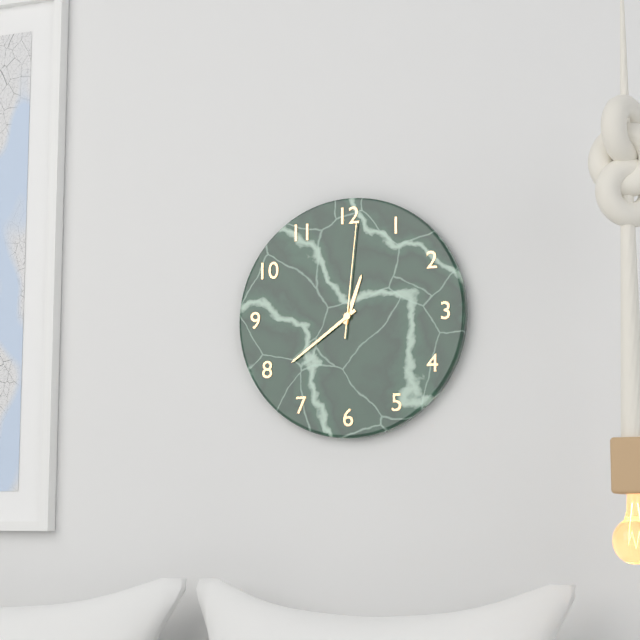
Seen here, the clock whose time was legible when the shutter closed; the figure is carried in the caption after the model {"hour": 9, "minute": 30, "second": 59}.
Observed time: {"hour": 12, "minute": 39, "second": 1}
